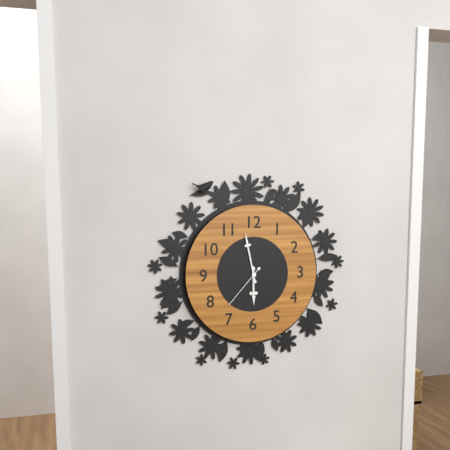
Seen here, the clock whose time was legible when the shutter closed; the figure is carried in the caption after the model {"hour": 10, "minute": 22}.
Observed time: {"hour": 5, "minute": 58}
